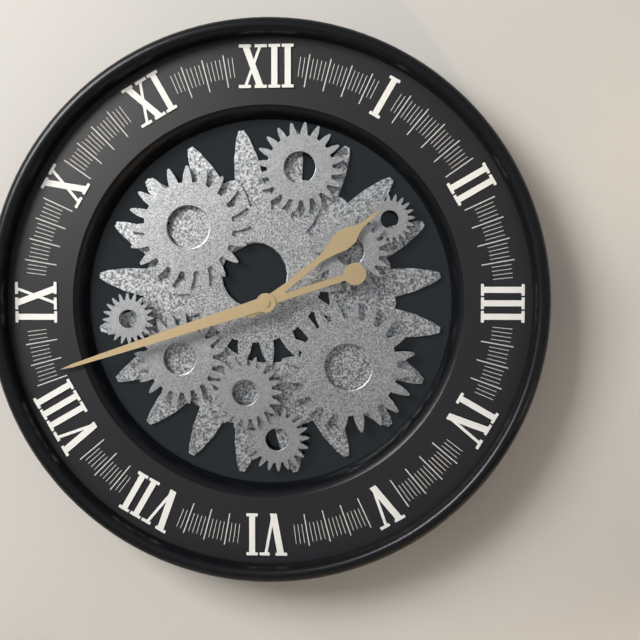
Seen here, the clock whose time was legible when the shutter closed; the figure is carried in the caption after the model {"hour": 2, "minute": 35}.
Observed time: {"hour": 1, "minute": 42}
